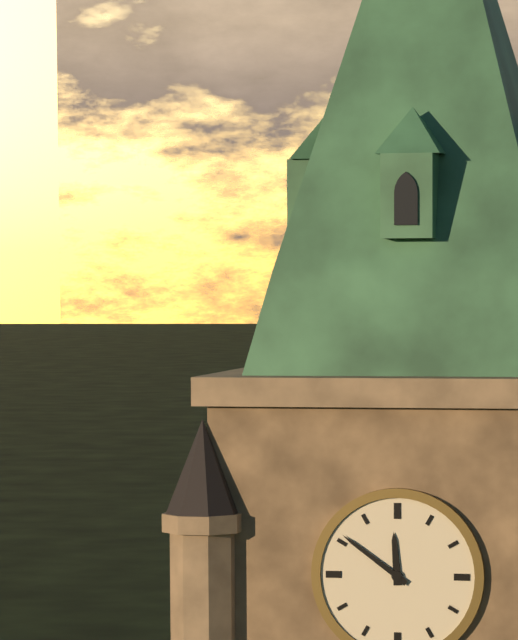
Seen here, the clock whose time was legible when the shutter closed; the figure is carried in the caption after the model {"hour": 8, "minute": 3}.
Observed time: {"hour": 11, "minute": 51}
